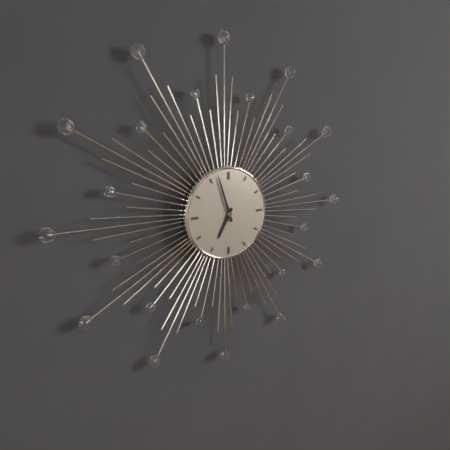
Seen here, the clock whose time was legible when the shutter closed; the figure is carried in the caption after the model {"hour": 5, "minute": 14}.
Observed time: {"hour": 6, "minute": 57}
